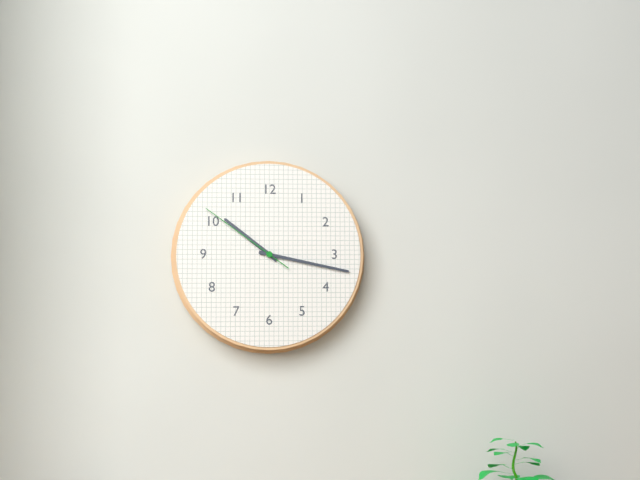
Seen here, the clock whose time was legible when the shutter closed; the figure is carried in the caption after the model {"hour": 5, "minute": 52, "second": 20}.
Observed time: {"hour": 10, "minute": 17, "second": 51}
